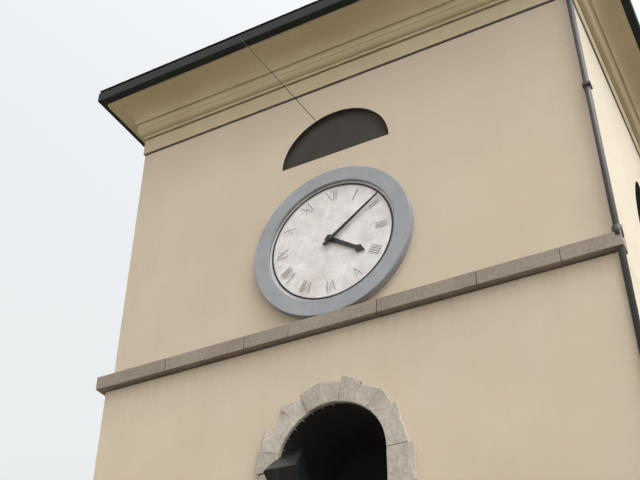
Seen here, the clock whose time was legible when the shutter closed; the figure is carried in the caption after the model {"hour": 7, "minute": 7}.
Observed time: {"hour": 4, "minute": 9}
